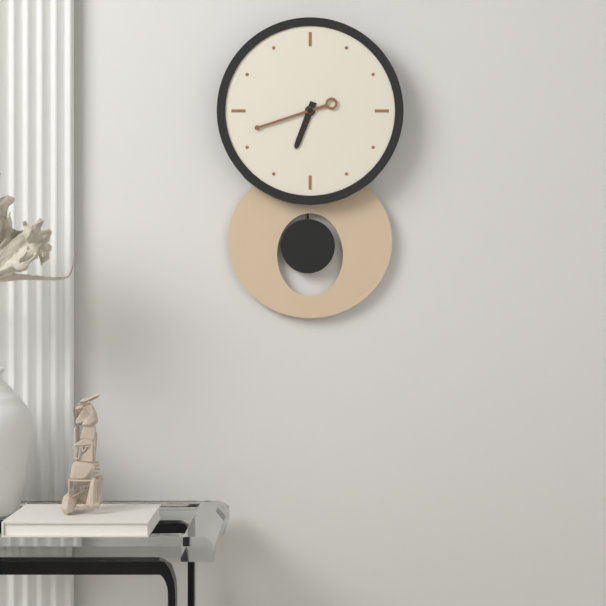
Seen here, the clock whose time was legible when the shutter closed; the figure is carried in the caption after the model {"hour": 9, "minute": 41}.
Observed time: {"hour": 6, "minute": 42}
